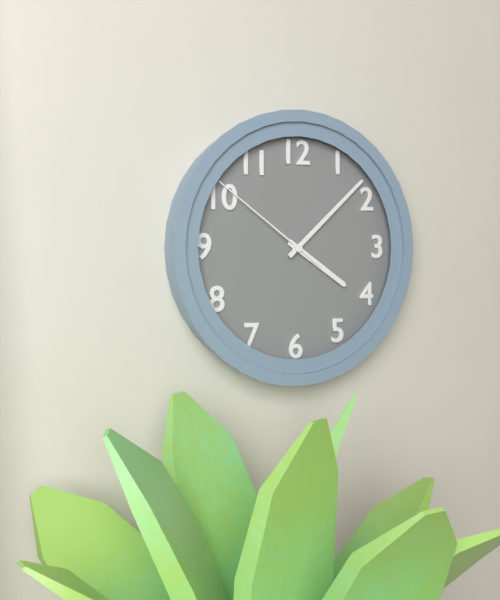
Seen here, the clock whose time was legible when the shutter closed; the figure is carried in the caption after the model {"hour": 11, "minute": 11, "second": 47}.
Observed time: {"hour": 4, "minute": 8, "second": 51}
